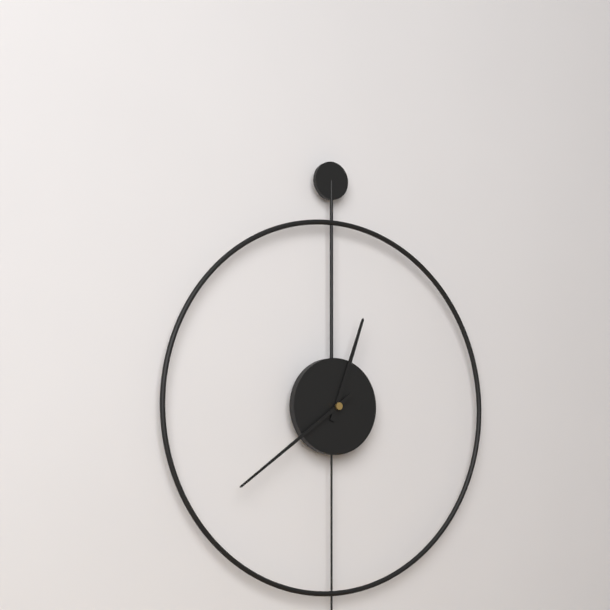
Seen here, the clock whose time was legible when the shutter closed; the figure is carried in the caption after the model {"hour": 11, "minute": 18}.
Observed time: {"hour": 12, "minute": 39}
